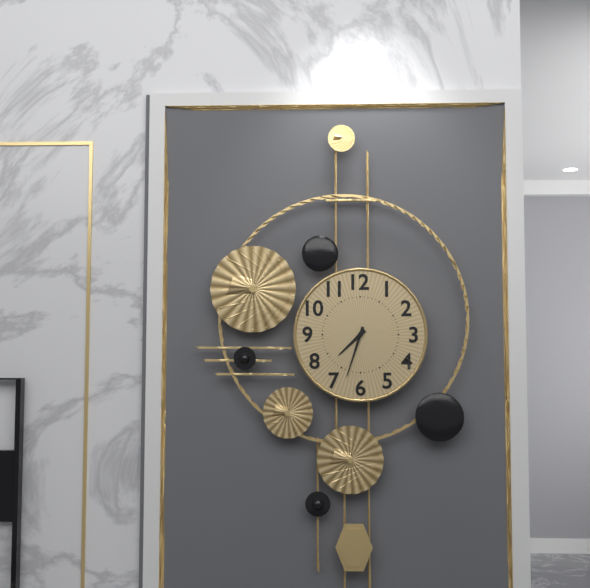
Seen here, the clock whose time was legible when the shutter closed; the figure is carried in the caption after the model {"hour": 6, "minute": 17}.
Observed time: {"hour": 7, "minute": 33}
